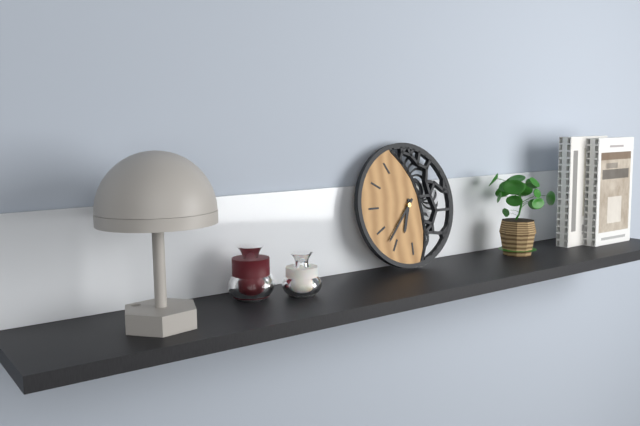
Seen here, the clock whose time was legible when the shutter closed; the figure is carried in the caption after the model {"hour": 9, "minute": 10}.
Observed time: {"hour": 6, "minute": 37}
